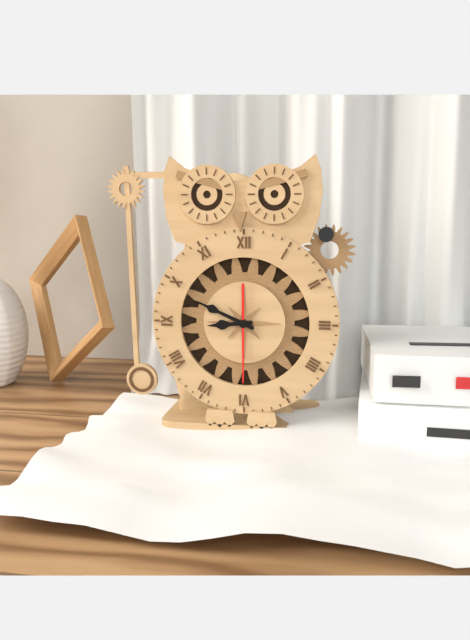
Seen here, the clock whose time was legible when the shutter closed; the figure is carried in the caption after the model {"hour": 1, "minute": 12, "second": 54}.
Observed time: {"hour": 8, "minute": 49, "second": 30}
